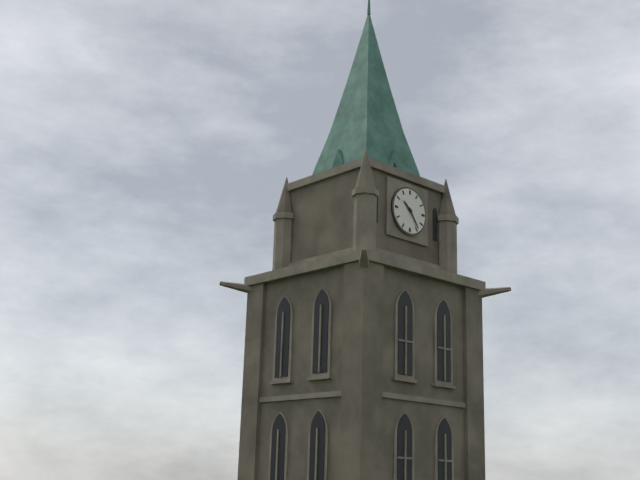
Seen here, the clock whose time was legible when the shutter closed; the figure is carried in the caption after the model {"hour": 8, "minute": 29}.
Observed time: {"hour": 10, "minute": 24}
